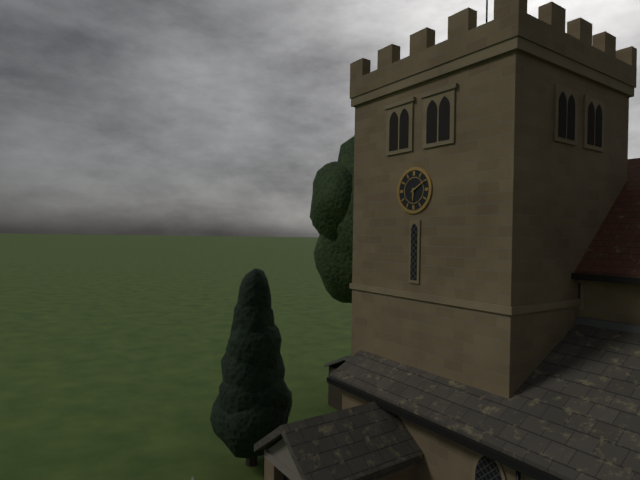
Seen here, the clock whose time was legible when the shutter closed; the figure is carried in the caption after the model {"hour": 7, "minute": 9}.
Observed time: {"hour": 6, "minute": 10}
